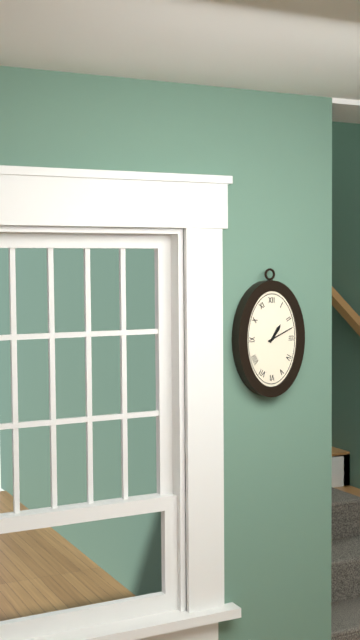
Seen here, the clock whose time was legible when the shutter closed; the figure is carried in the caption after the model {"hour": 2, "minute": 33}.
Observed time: {"hour": 1, "minute": 11}
